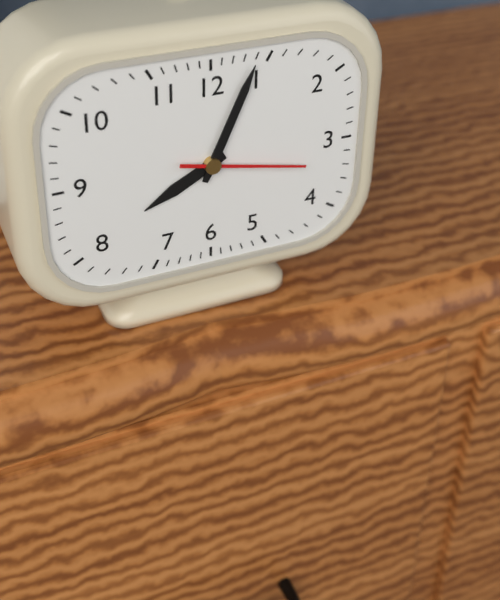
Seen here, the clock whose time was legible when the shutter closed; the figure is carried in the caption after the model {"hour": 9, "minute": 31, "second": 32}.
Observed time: {"hour": 8, "minute": 4, "second": 17}
